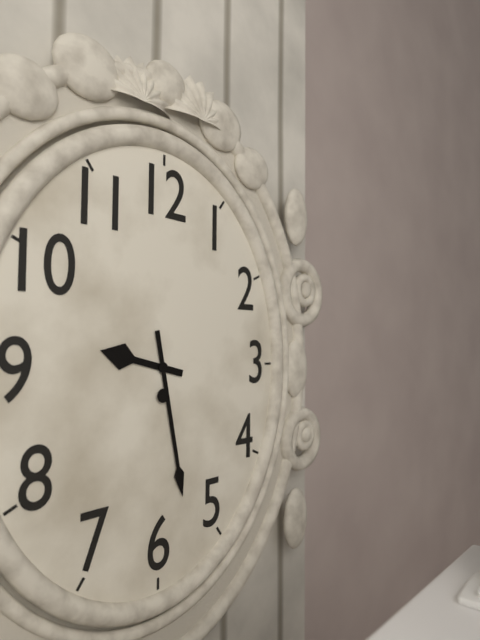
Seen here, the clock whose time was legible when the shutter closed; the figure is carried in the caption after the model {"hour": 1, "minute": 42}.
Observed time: {"hour": 9, "minute": 28}
